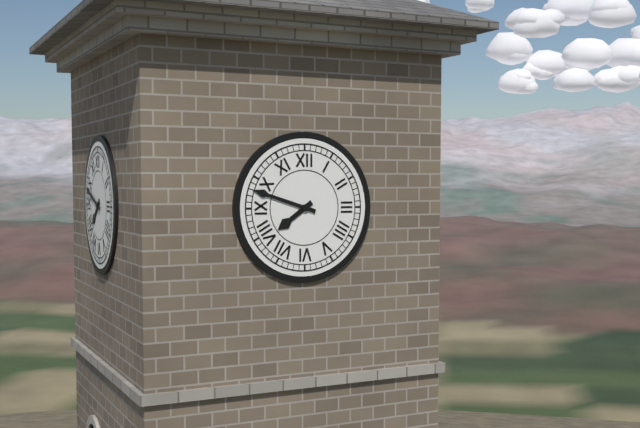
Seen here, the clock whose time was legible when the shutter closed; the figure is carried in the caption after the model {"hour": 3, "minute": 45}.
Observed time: {"hour": 7, "minute": 48}
